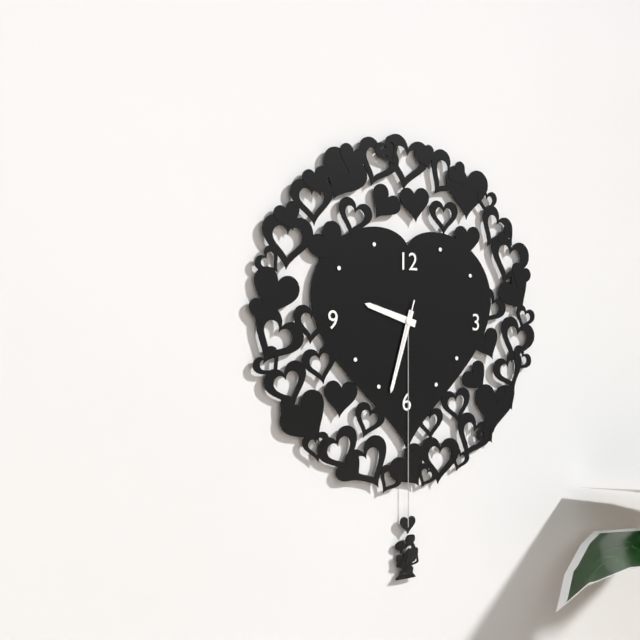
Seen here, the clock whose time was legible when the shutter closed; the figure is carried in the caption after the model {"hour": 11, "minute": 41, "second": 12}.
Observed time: {"hour": 9, "minute": 33, "second": 33}
